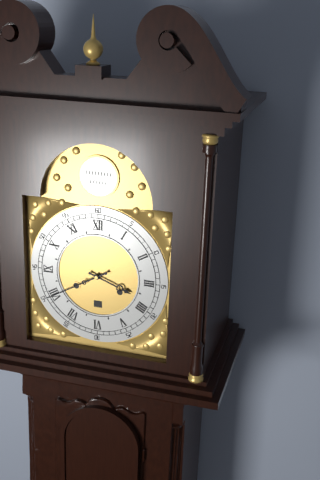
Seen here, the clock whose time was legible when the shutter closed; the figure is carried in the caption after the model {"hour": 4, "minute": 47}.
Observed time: {"hour": 3, "minute": 40}
